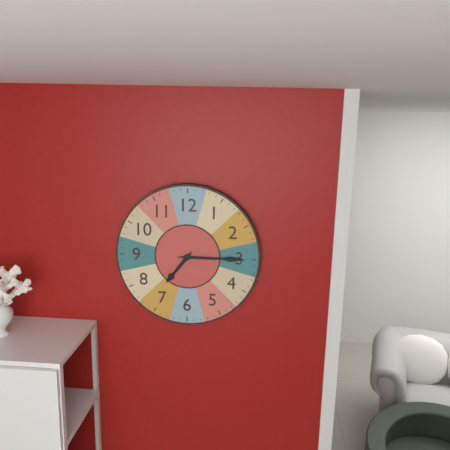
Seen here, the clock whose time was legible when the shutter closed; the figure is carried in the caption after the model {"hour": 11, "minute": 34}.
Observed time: {"hour": 7, "minute": 15}
